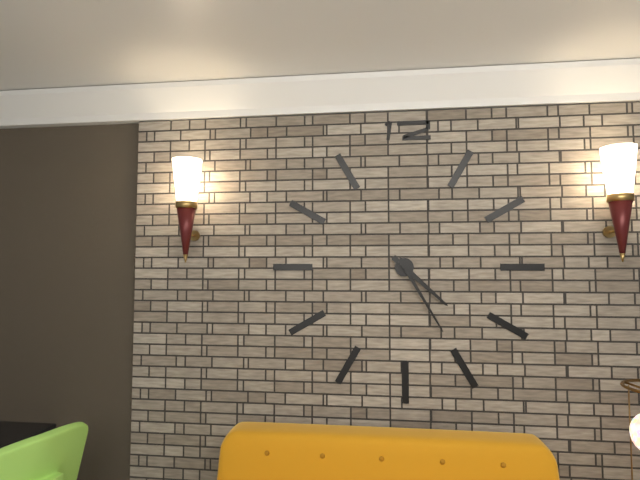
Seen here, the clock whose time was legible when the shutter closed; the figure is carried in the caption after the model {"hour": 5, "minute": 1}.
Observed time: {"hour": 4, "minute": 25}
